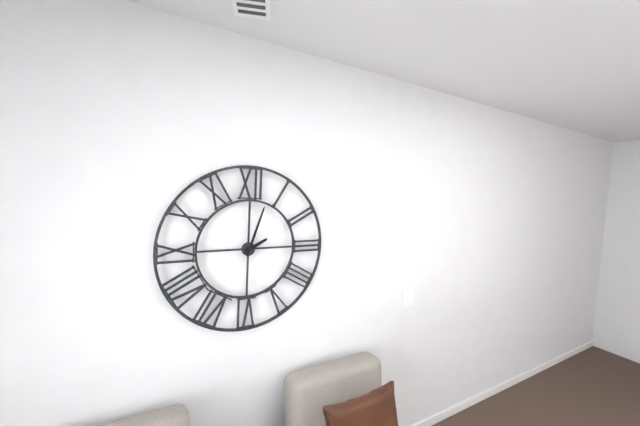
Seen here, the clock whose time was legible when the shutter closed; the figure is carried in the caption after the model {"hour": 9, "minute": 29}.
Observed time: {"hour": 2, "minute": 3}
